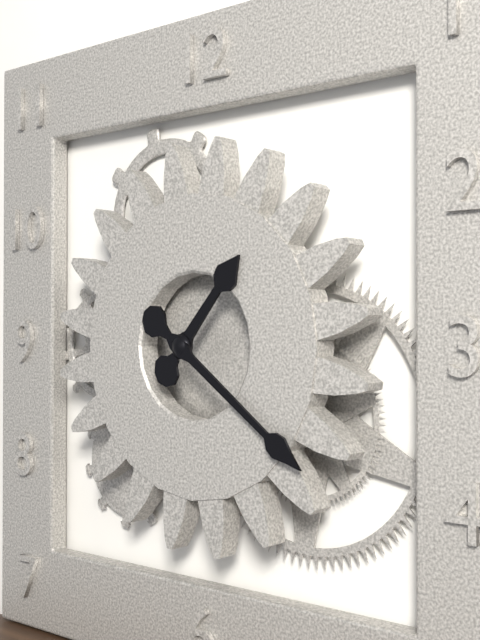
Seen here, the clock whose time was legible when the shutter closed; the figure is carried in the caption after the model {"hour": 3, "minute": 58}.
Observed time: {"hour": 1, "minute": 21}
